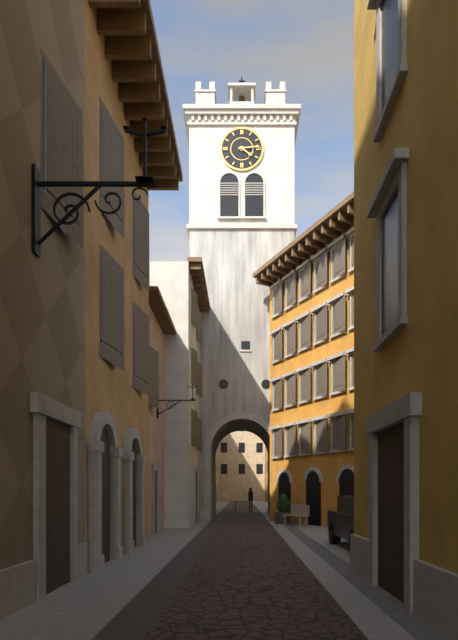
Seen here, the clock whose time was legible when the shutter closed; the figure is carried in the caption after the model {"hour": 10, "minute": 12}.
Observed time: {"hour": 4, "minute": 14}
